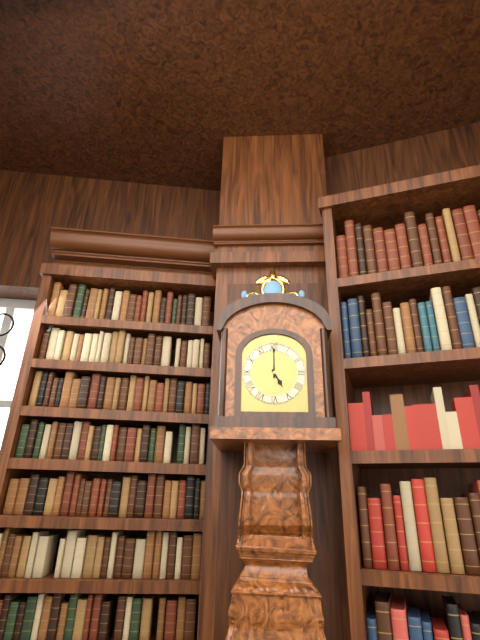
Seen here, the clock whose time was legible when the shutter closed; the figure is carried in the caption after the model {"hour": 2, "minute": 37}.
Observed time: {"hour": 5, "minute": 0}
